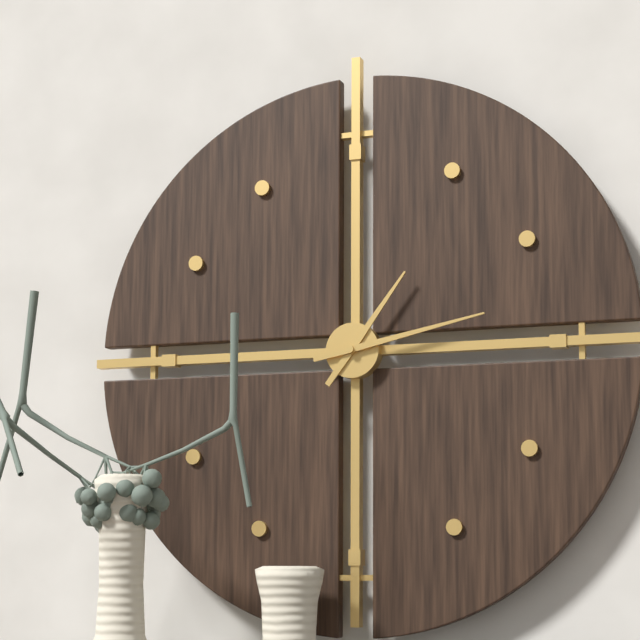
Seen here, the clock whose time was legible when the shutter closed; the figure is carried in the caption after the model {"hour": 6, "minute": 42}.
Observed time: {"hour": 1, "minute": 13}
